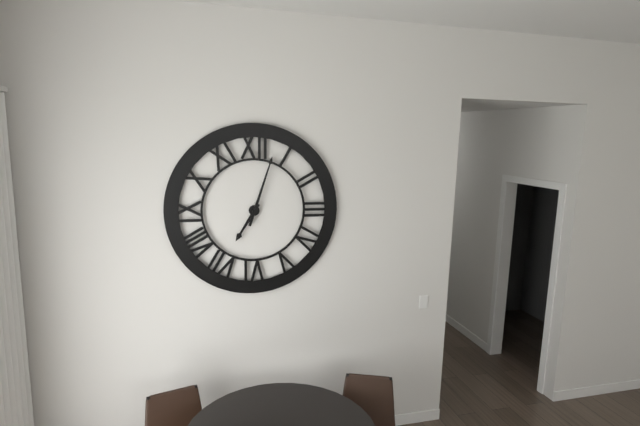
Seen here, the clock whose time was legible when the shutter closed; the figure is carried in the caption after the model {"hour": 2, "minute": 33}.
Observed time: {"hour": 7, "minute": 3}
